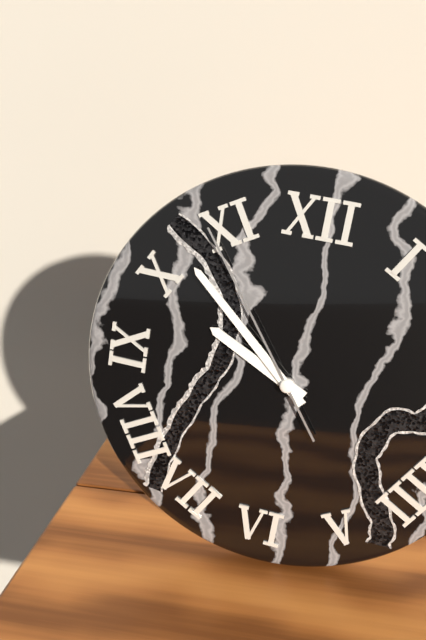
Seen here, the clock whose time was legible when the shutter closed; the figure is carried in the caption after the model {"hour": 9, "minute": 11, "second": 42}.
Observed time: {"hour": 9, "minute": 52, "second": 54}
